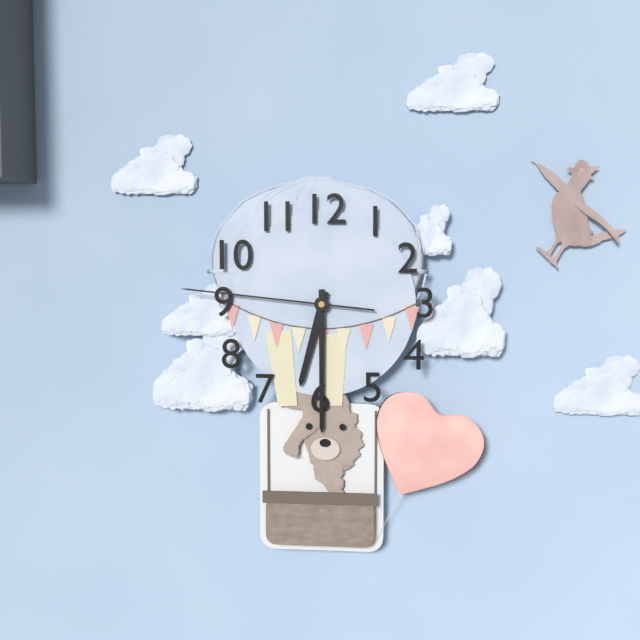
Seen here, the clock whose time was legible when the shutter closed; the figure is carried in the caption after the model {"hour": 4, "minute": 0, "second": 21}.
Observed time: {"hour": 6, "minute": 30, "second": 46}
